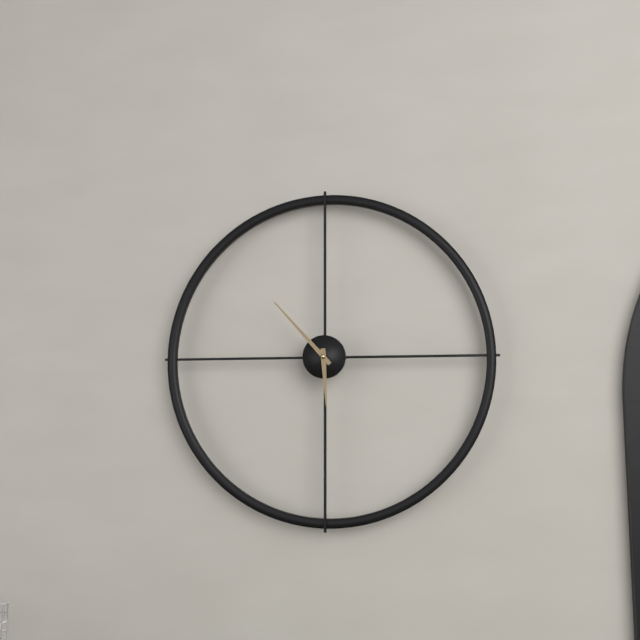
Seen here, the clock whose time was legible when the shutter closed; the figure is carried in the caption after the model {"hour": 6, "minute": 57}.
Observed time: {"hour": 5, "minute": 53}
